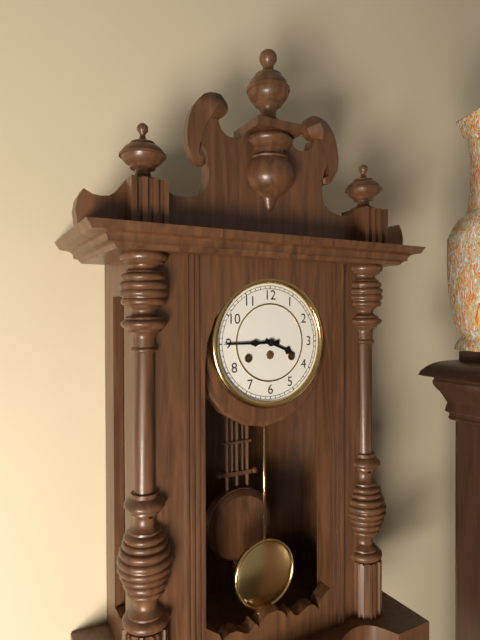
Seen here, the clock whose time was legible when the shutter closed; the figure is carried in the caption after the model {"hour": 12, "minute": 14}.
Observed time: {"hour": 3, "minute": 45}
